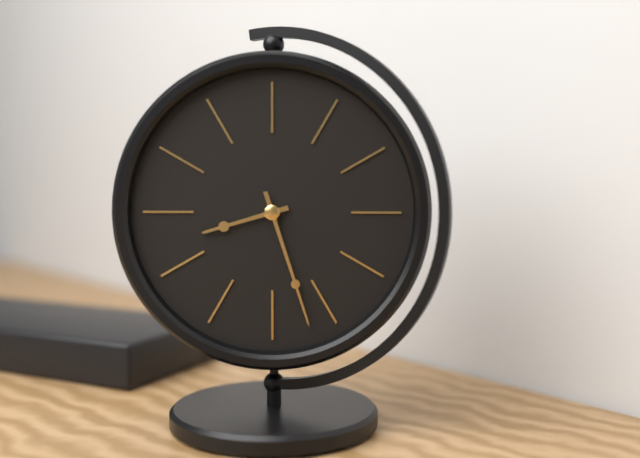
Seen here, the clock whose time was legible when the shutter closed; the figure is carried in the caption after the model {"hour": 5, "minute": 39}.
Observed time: {"hour": 8, "minute": 27}
